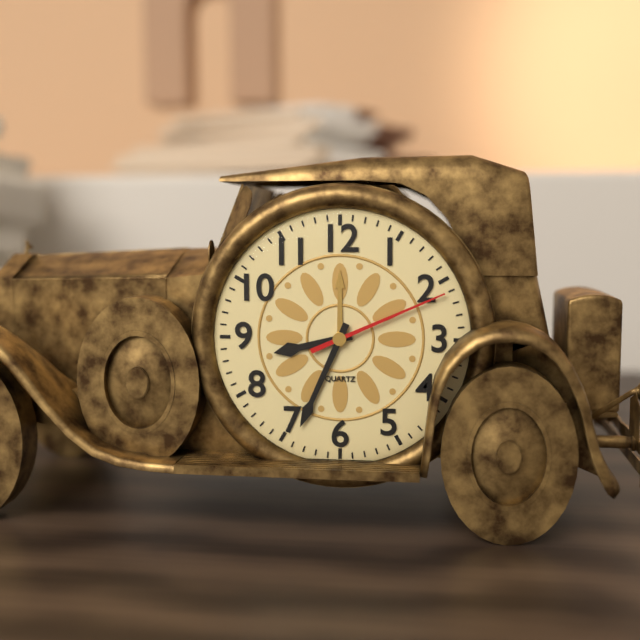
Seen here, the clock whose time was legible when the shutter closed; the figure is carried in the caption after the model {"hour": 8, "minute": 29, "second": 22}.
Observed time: {"hour": 8, "minute": 34, "second": 11}
